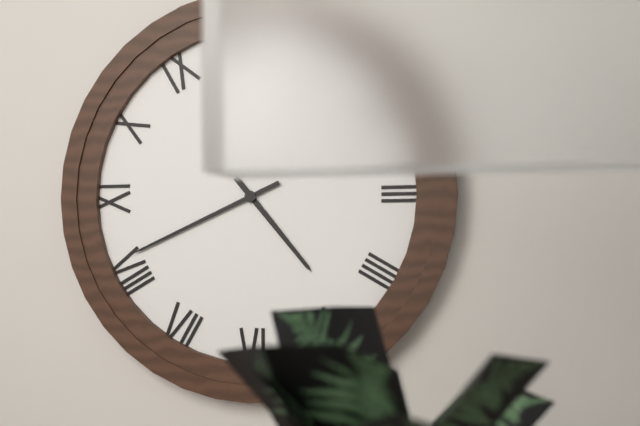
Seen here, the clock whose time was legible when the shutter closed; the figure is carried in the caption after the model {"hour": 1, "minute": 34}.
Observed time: {"hour": 4, "minute": 41}
